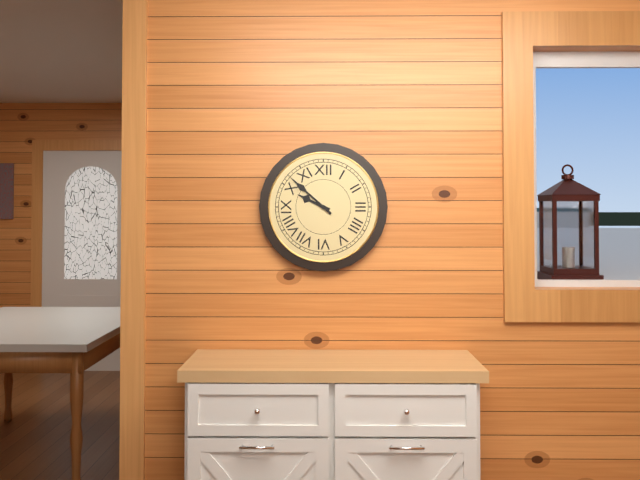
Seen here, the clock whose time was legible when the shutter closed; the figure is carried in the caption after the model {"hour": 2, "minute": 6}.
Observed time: {"hour": 9, "minute": 52}
